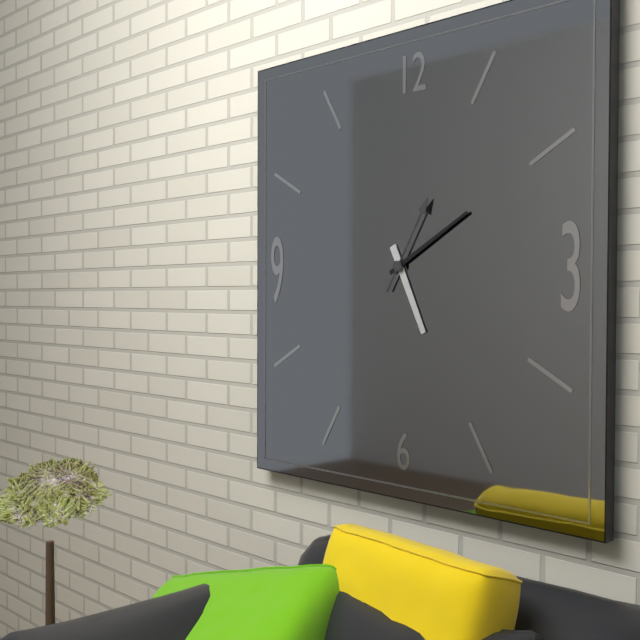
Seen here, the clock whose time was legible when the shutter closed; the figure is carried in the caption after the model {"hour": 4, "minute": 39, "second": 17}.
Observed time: {"hour": 5, "minute": 10, "second": 5}
